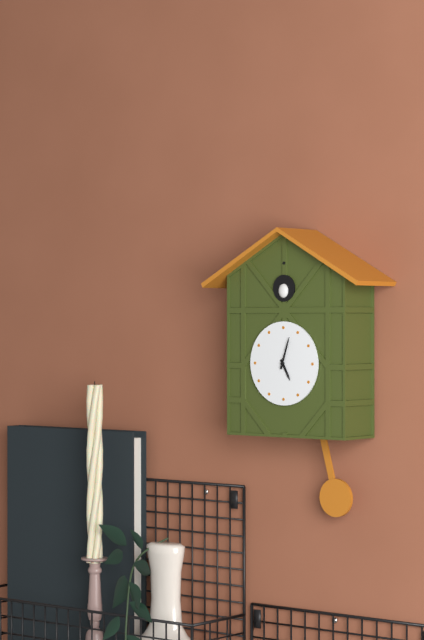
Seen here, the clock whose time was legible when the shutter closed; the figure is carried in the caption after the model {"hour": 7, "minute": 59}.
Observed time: {"hour": 5, "minute": 3}
